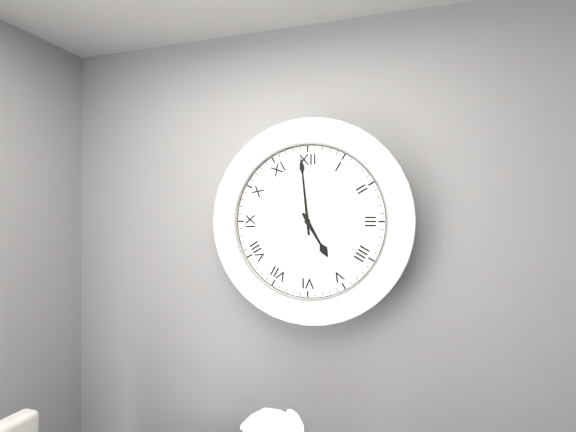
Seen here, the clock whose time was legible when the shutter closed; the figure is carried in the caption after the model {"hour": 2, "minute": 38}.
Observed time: {"hour": 4, "minute": 59}
